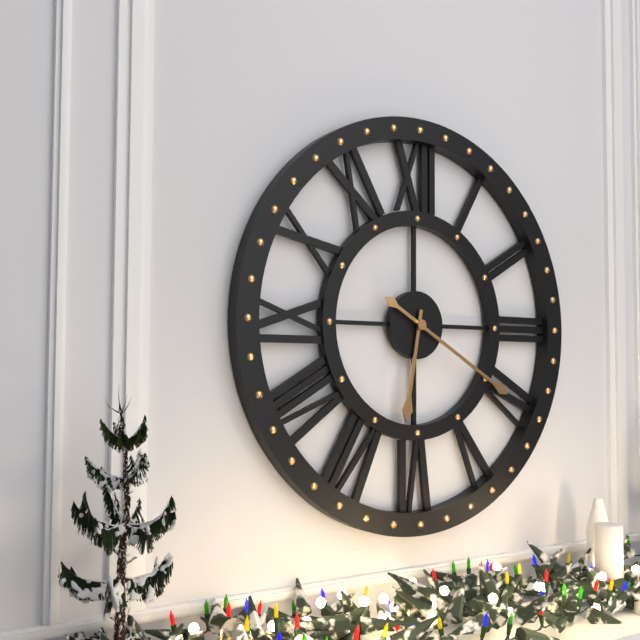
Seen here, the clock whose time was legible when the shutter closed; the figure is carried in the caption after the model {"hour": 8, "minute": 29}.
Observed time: {"hour": 6, "minute": 20}
